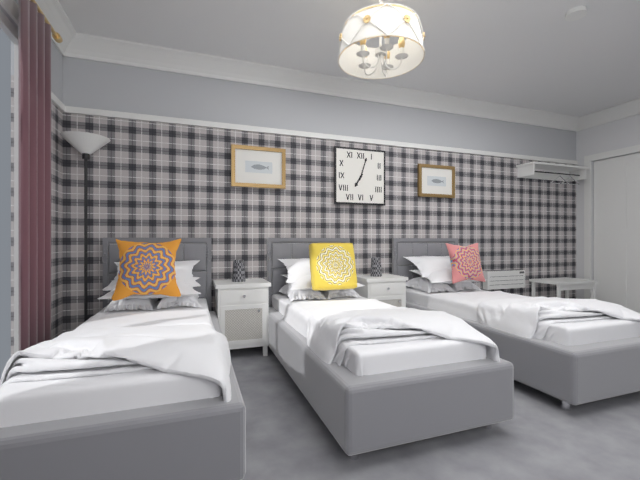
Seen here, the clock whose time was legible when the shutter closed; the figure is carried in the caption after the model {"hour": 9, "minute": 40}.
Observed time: {"hour": 7, "minute": 3}
